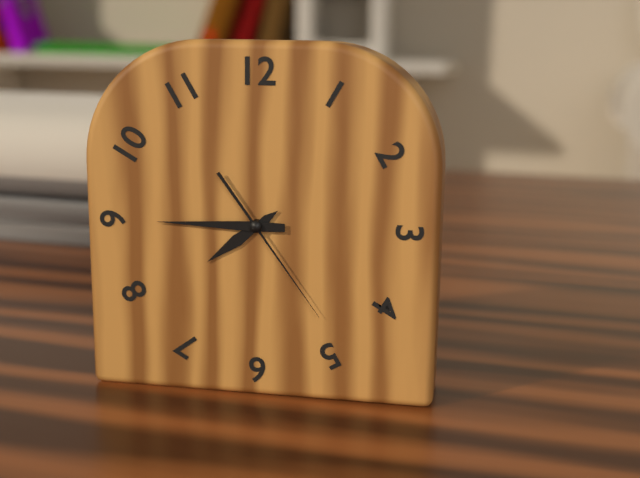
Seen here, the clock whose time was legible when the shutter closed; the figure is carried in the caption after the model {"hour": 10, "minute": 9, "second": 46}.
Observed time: {"hour": 7, "minute": 45, "second": 24}
